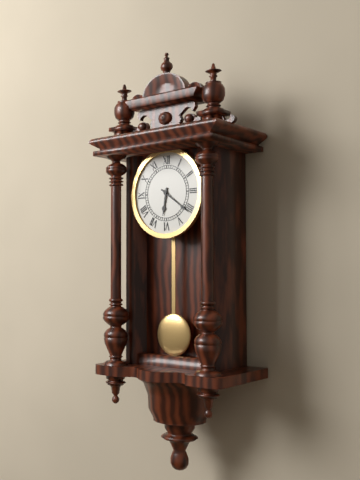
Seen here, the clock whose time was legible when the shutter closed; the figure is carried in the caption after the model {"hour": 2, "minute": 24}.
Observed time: {"hour": 6, "minute": 21}
